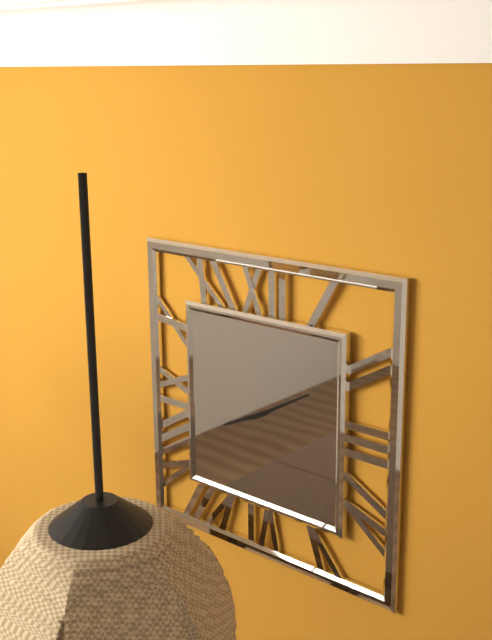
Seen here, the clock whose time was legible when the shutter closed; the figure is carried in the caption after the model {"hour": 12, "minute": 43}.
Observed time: {"hour": 8, "minute": 10}
